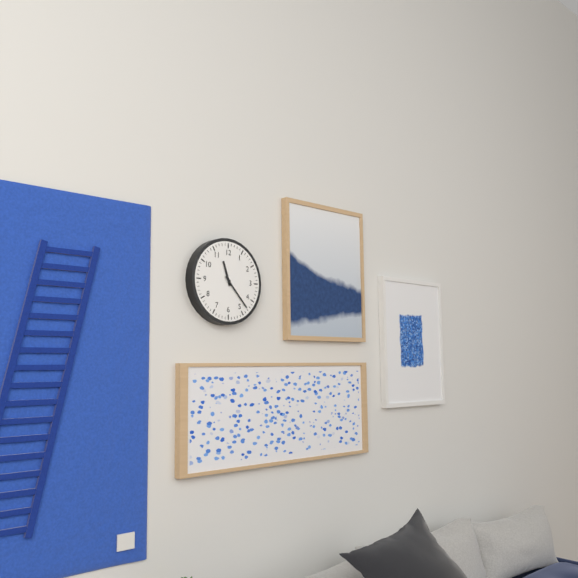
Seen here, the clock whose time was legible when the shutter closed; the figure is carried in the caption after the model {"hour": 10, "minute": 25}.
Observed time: {"hour": 11, "minute": 23}
